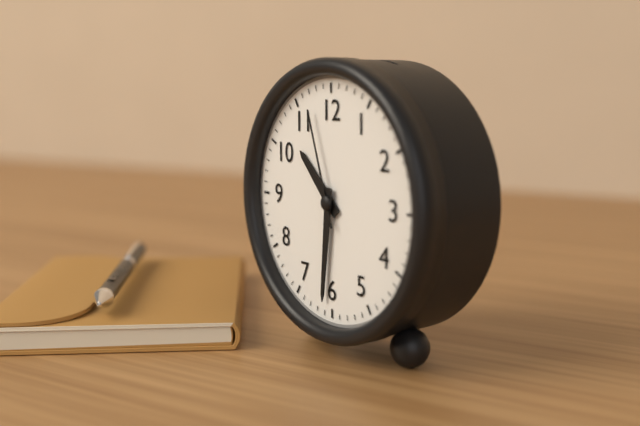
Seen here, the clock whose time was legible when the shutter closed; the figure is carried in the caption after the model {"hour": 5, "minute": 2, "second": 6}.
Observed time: {"hour": 10, "minute": 31, "second": 57}
